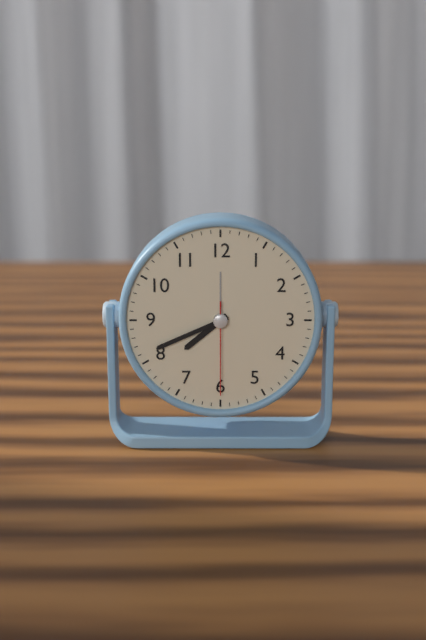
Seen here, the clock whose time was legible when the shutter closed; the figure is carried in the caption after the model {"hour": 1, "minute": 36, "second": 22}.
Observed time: {"hour": 7, "minute": 41, "second": 30}
